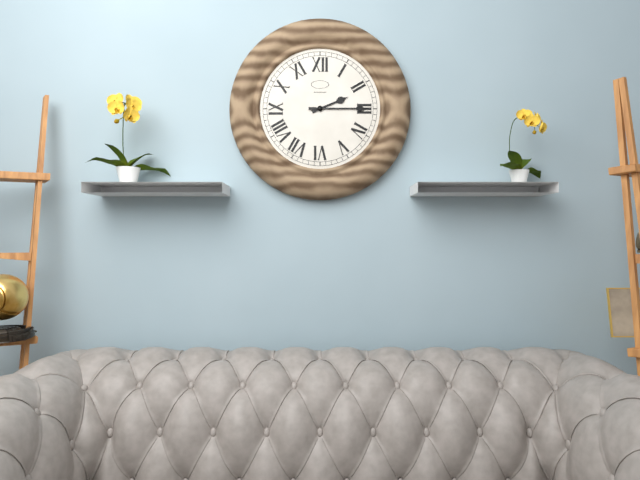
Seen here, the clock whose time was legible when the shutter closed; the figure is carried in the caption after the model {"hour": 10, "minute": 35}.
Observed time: {"hour": 2, "minute": 15}
